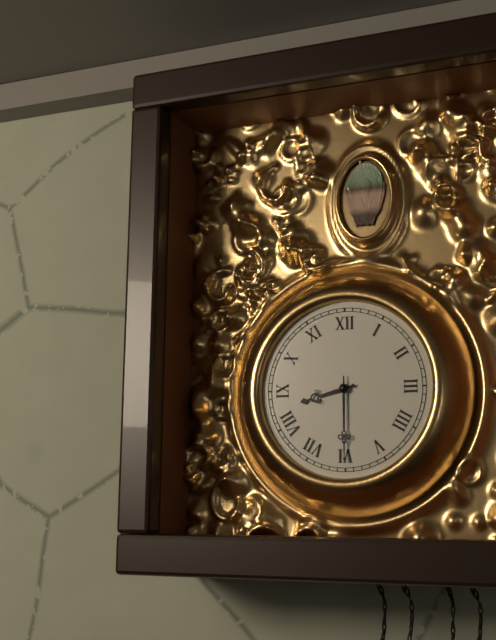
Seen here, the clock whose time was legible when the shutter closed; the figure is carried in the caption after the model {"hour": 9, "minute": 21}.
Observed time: {"hour": 8, "minute": 30}
